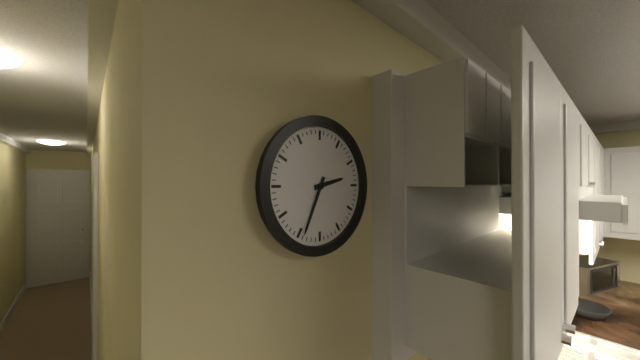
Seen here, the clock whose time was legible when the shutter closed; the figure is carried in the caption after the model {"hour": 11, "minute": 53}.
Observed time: {"hour": 2, "minute": 34}
